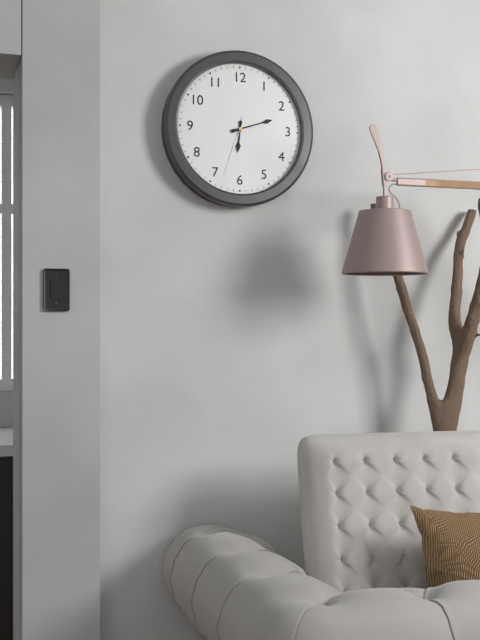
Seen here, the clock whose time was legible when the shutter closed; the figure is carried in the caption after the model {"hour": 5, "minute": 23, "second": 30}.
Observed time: {"hour": 6, "minute": 12, "second": 33}
